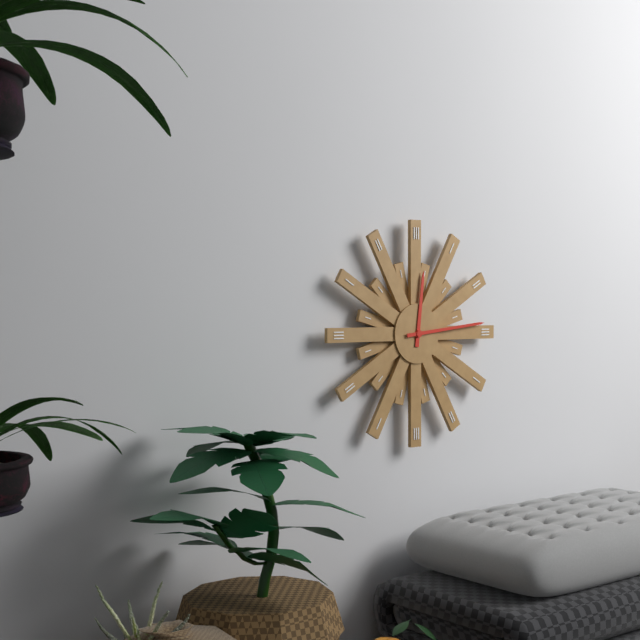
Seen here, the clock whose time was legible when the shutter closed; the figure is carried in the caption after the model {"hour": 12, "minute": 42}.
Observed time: {"hour": 12, "minute": 14}
